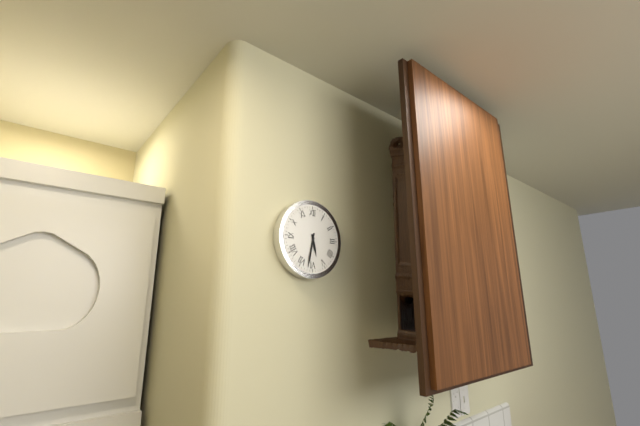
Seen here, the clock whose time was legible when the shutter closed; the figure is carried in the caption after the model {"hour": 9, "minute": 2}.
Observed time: {"hour": 5, "minute": 32}
